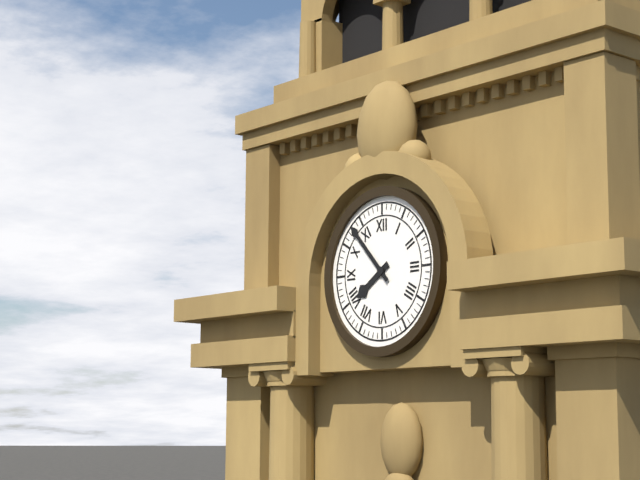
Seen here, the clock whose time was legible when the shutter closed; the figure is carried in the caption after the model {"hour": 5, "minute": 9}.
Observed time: {"hour": 7, "minute": 53}
